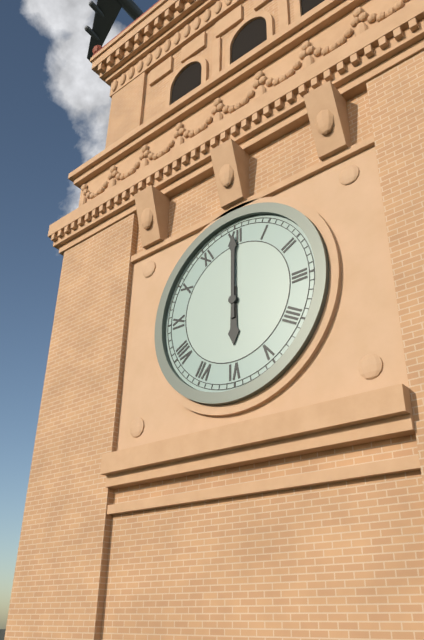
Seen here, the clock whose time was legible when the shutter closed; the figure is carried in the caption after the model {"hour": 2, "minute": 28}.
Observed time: {"hour": 6, "minute": 0}
